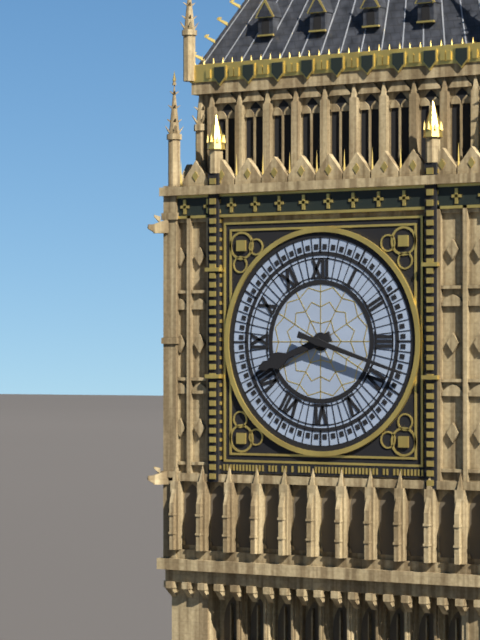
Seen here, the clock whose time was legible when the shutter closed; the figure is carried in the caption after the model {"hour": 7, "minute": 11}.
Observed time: {"hour": 8, "minute": 18}
